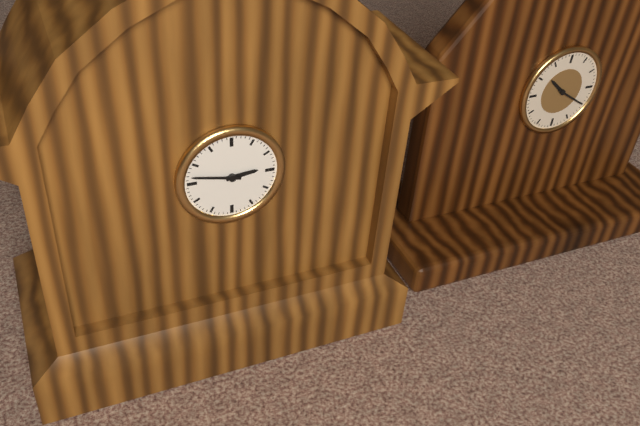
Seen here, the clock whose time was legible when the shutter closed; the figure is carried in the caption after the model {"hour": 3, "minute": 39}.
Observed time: {"hour": 2, "minute": 47}
